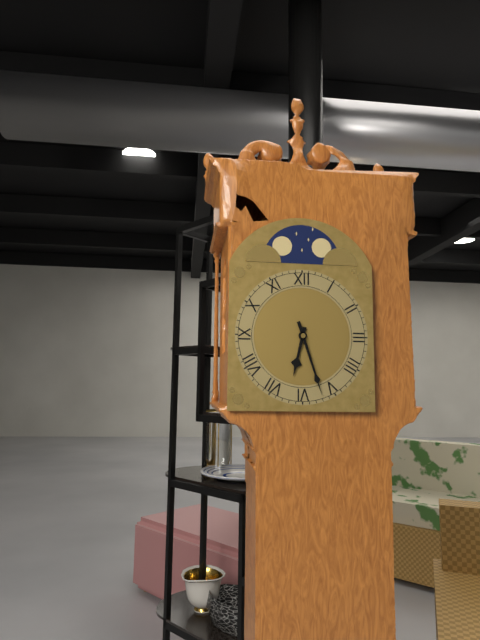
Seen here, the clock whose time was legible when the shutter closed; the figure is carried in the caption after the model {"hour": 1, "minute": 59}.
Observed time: {"hour": 6, "minute": 27}
